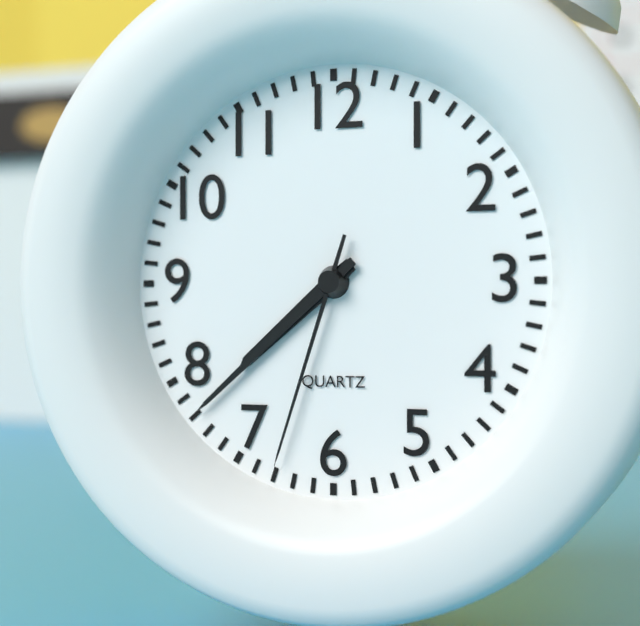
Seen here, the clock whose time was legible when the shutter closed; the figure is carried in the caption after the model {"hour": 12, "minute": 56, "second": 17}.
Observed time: {"hour": 7, "minute": 38, "second": 33}
